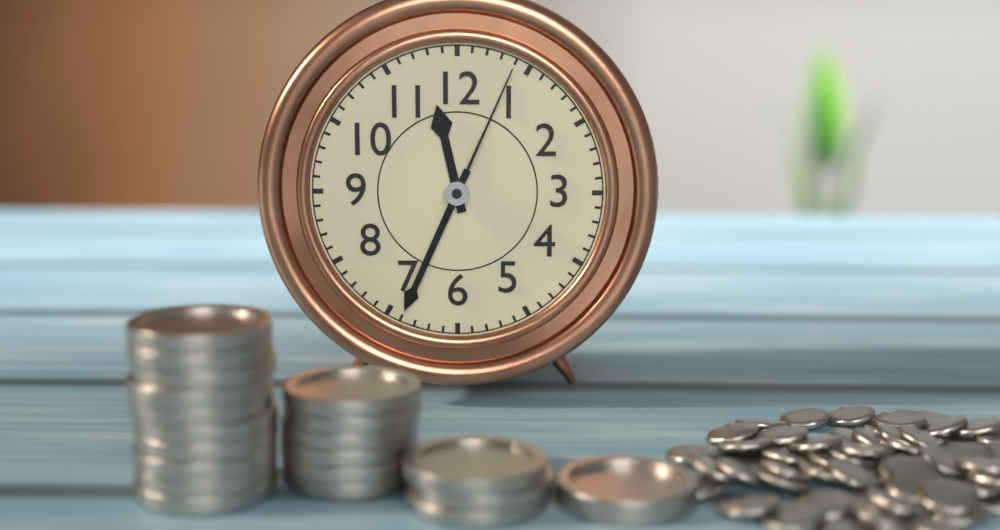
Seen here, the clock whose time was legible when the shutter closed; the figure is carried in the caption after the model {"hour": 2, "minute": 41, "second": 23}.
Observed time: {"hour": 11, "minute": 34, "second": 4}
